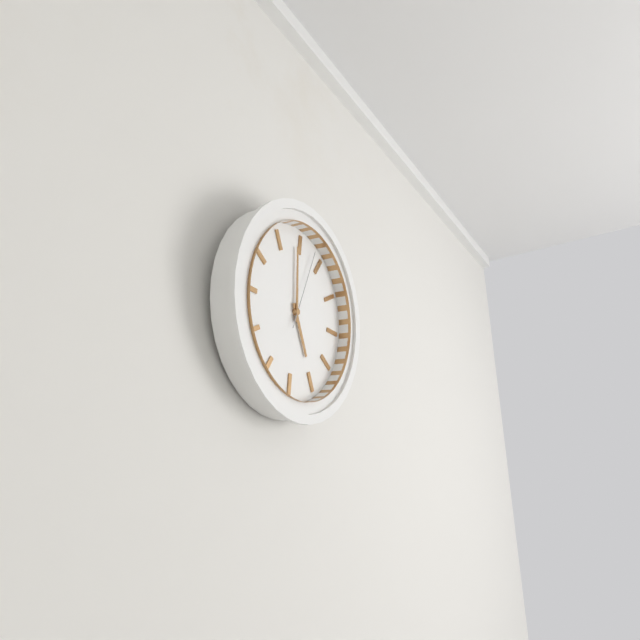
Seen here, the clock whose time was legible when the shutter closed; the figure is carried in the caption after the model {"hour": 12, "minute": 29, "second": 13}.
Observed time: {"hour": 4, "minute": 59, "second": 3}
